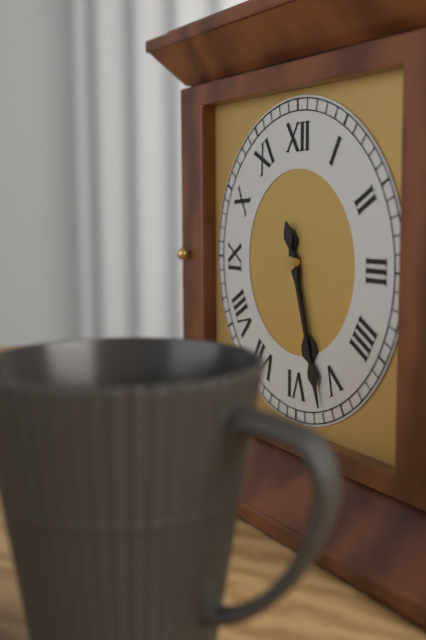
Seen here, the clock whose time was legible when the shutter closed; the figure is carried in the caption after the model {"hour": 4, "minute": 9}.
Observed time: {"hour": 5, "minute": 27}
